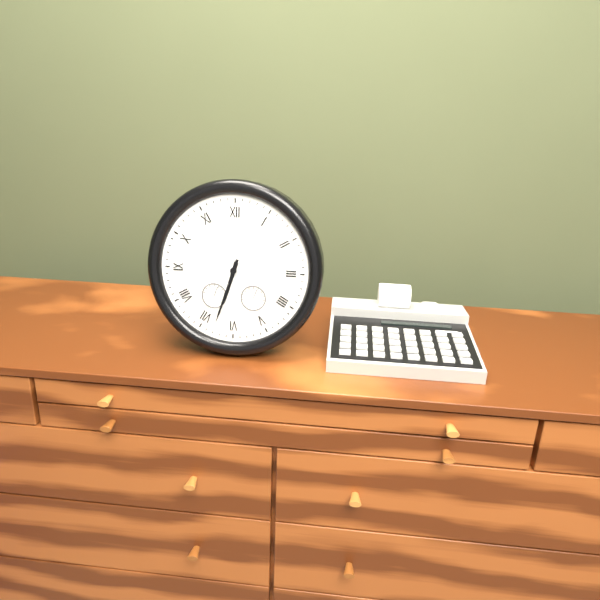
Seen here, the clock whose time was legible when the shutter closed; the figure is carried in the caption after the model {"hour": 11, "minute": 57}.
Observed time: {"hour": 6, "minute": 33}
